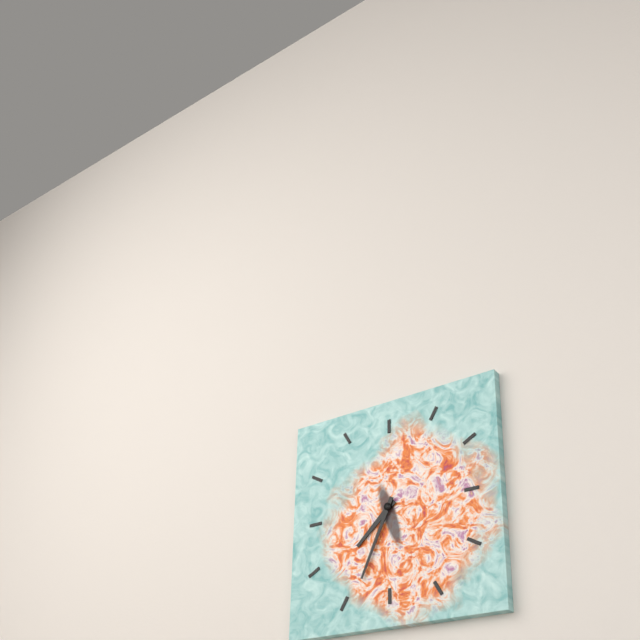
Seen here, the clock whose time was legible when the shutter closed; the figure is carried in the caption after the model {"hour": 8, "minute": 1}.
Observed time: {"hour": 7, "minute": 34}
